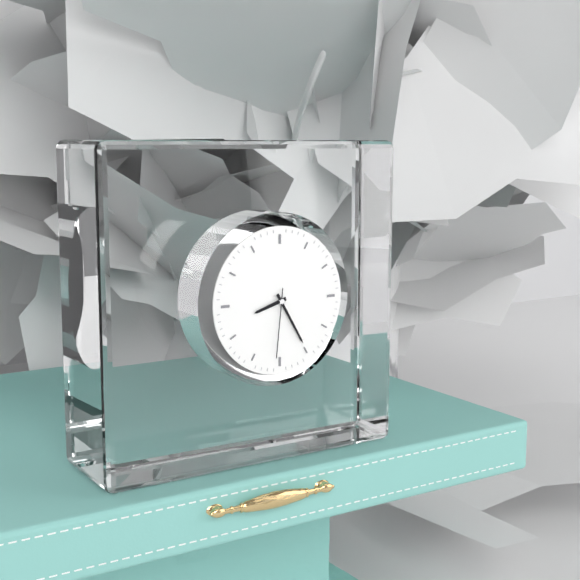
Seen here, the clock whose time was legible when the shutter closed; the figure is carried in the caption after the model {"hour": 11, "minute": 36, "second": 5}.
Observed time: {"hour": 8, "minute": 25, "second": 31}
